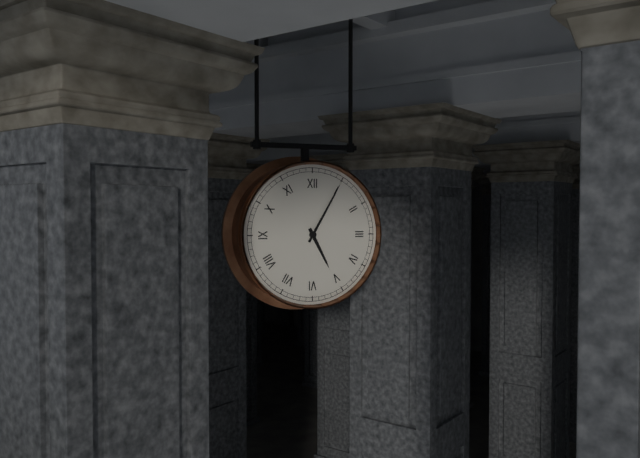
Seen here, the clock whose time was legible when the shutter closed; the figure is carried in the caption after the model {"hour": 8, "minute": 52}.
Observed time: {"hour": 5, "minute": 5}
